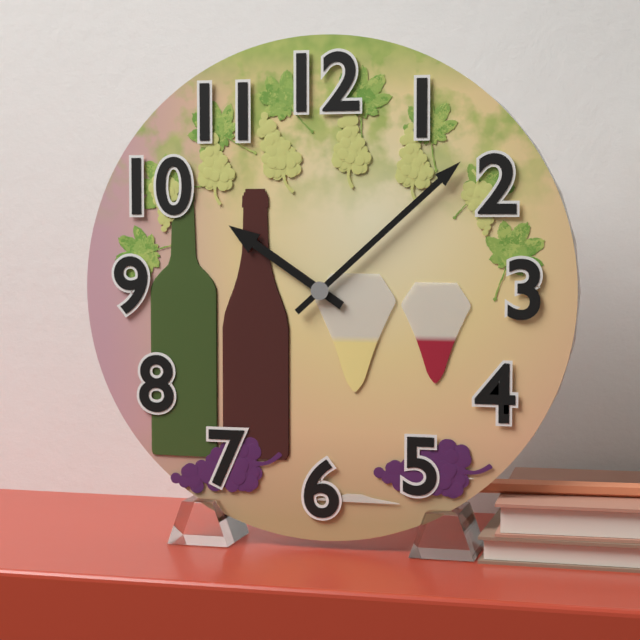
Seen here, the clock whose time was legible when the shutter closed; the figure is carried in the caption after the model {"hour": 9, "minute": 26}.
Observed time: {"hour": 10, "minute": 8}
